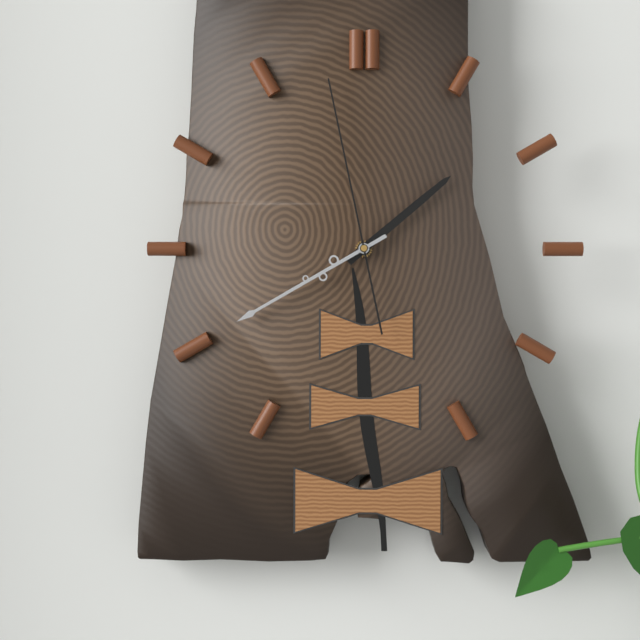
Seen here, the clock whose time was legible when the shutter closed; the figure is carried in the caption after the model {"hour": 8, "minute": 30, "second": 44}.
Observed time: {"hour": 1, "minute": 40, "second": 58}
